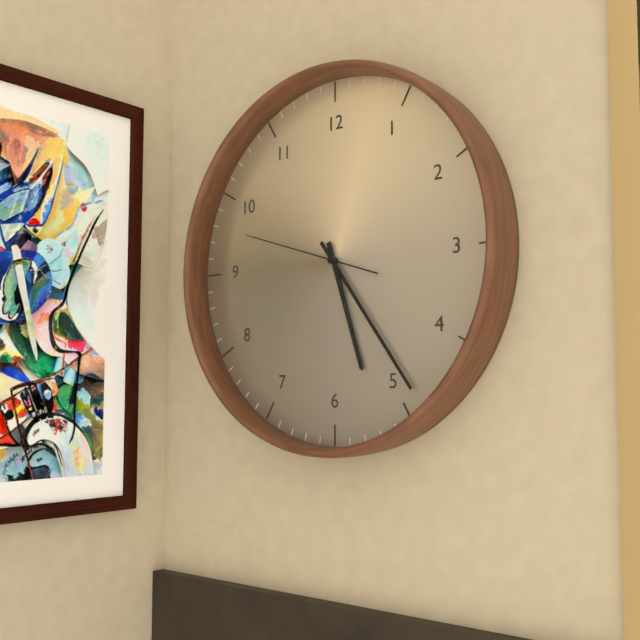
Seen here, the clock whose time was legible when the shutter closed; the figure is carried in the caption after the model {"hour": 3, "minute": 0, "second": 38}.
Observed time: {"hour": 5, "minute": 24, "second": 48}
